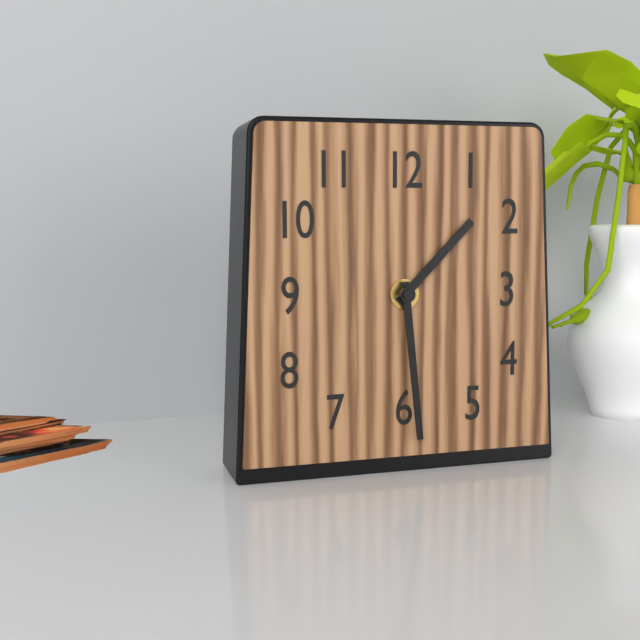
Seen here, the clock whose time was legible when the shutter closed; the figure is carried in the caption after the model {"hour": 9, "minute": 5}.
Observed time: {"hour": 1, "minute": 29}
